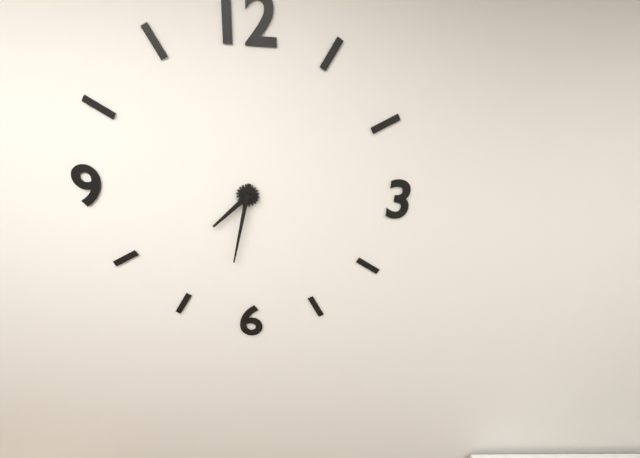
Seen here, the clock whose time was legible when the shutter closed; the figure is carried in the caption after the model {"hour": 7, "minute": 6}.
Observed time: {"hour": 7, "minute": 32}
